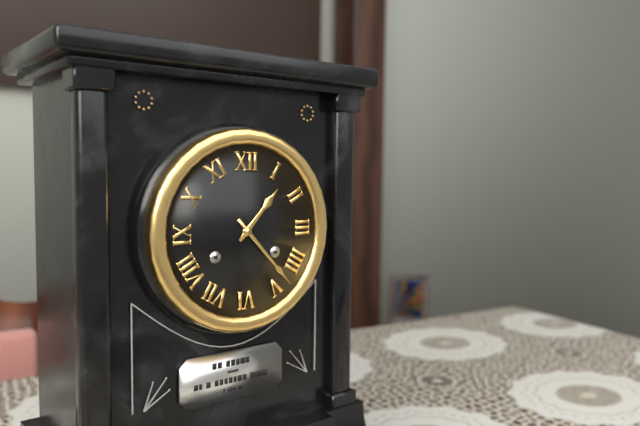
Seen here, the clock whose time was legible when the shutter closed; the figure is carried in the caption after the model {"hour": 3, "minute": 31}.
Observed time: {"hour": 1, "minute": 23}
